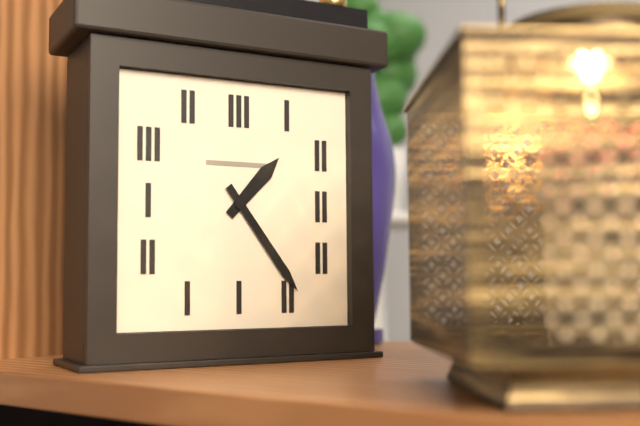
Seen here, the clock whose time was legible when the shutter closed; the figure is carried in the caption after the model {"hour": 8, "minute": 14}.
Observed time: {"hour": 1, "minute": 24}
